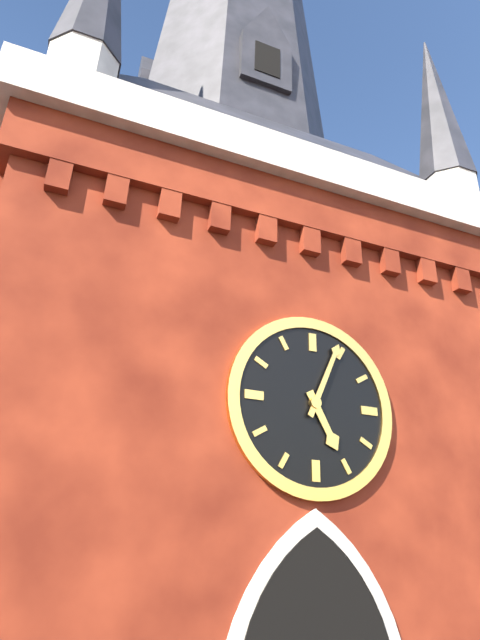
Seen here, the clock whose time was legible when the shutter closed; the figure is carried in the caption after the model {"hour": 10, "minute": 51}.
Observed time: {"hour": 5, "minute": 4}
